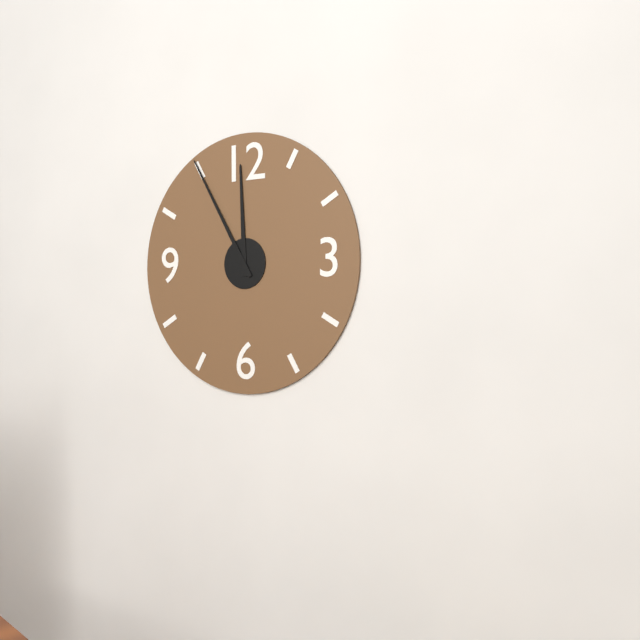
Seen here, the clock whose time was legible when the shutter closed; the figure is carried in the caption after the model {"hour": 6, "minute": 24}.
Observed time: {"hour": 11, "minute": 55}
